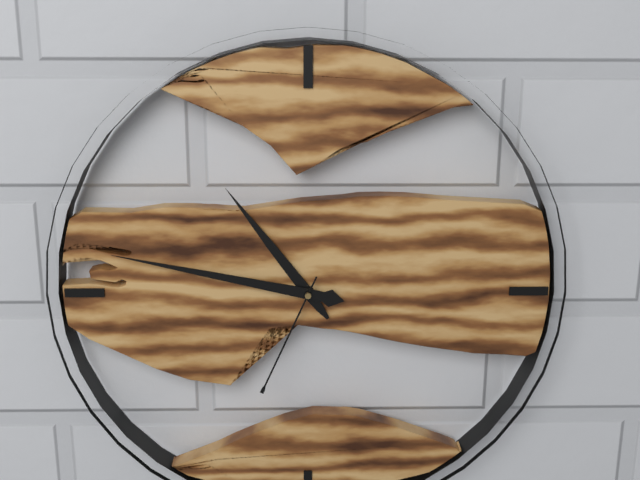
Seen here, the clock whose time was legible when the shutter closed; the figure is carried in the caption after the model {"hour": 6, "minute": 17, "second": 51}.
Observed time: {"hour": 10, "minute": 47, "second": 34}
